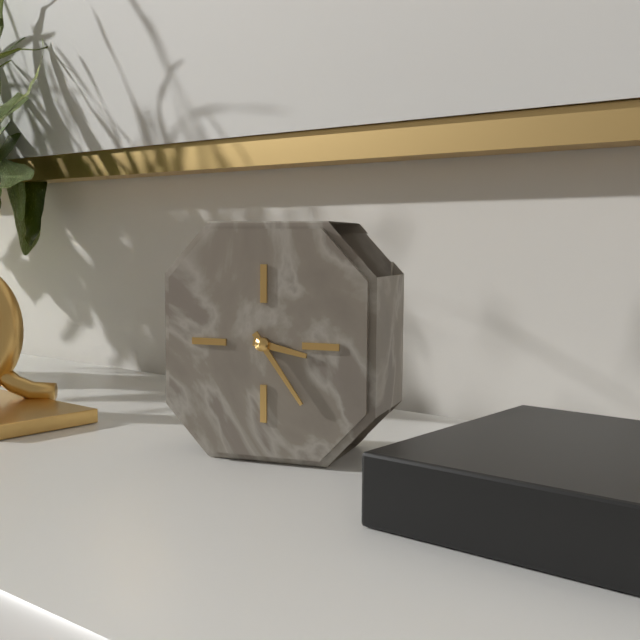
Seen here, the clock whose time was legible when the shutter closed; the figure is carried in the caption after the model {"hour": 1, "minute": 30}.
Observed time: {"hour": 3, "minute": 24}
